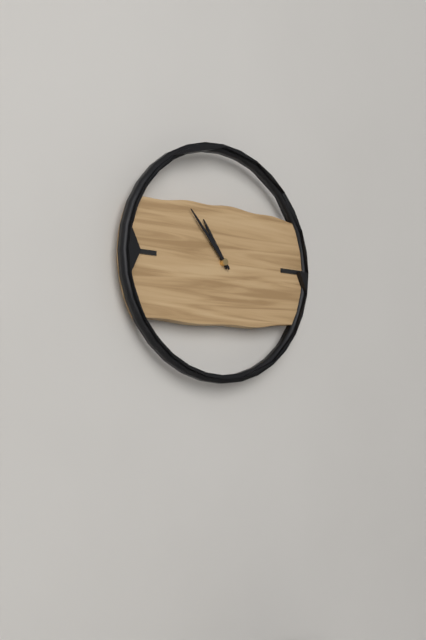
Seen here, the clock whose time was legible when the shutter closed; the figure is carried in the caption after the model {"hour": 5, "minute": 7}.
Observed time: {"hour": 10, "minute": 53}
